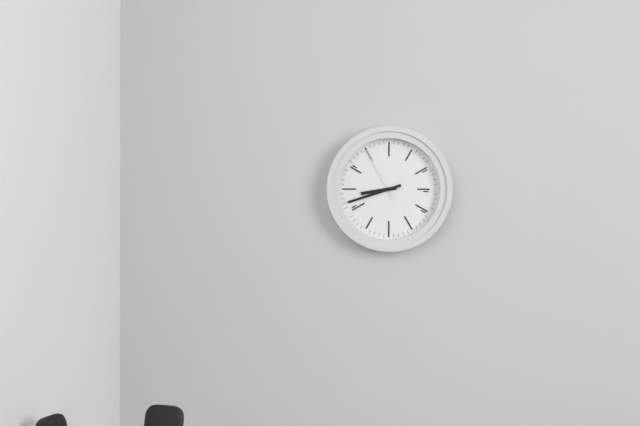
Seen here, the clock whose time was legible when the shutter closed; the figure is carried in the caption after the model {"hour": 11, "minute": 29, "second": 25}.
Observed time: {"hour": 8, "minute": 42, "second": 55}
